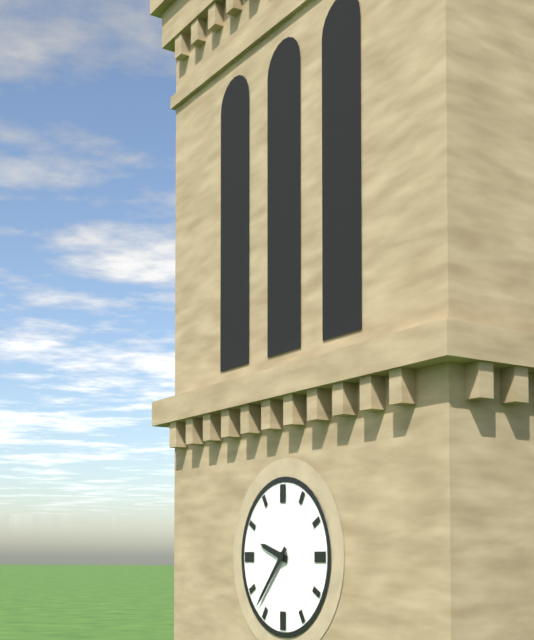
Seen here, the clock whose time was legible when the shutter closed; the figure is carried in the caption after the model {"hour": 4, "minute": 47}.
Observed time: {"hour": 9, "minute": 37}
